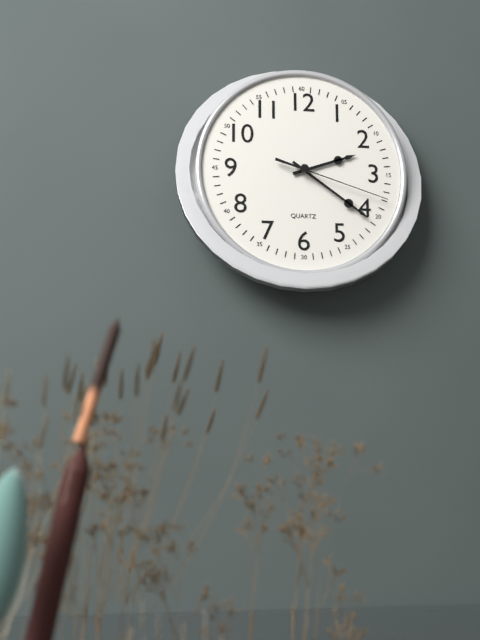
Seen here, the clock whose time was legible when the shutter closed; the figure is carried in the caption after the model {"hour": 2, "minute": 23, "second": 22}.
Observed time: {"hour": 2, "minute": 21, "second": 18}
